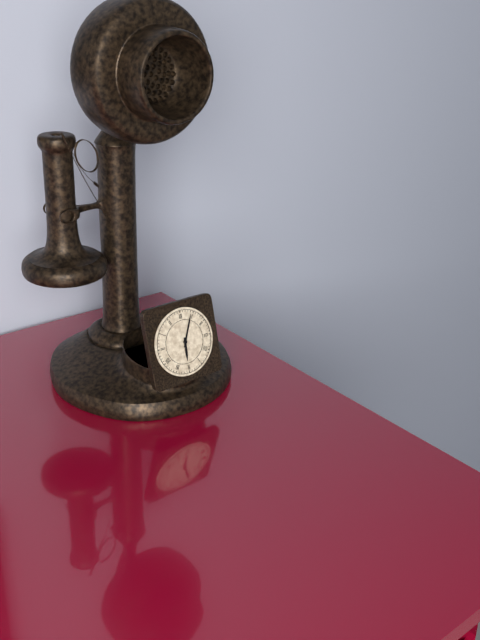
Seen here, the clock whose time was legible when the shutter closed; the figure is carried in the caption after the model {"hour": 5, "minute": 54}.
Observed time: {"hour": 6, "minute": 4}
